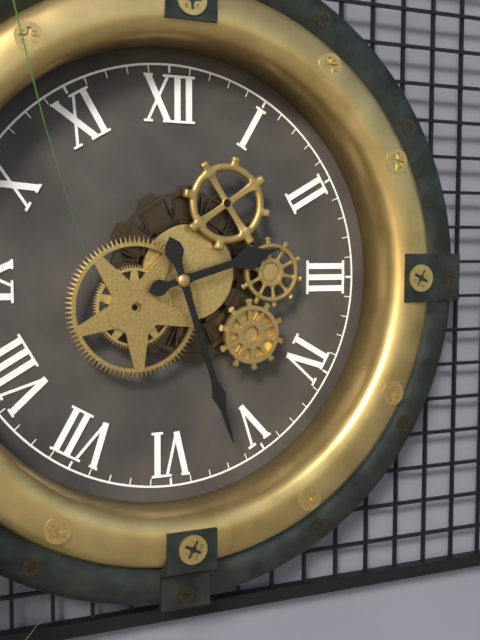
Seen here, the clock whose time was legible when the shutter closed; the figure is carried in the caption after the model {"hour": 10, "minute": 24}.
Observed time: {"hour": 2, "minute": 27}
